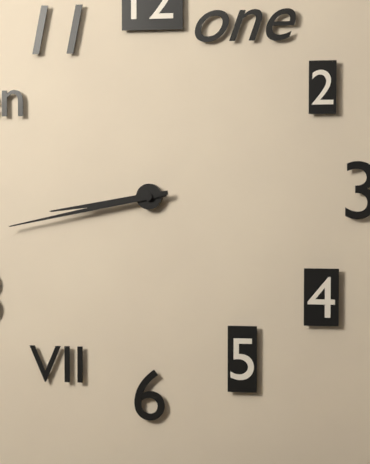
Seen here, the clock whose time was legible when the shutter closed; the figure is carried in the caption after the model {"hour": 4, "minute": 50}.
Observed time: {"hour": 8, "minute": 43}
